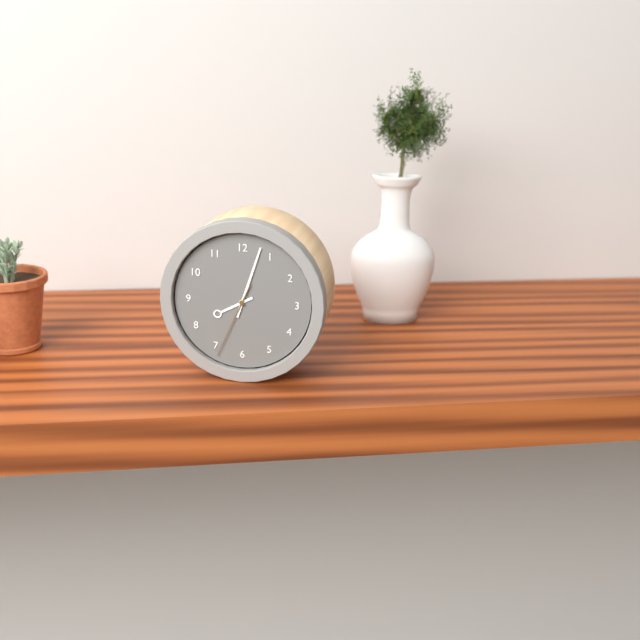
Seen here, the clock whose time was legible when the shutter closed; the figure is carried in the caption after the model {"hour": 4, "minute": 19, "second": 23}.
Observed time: {"hour": 8, "minute": 3, "second": 34}
